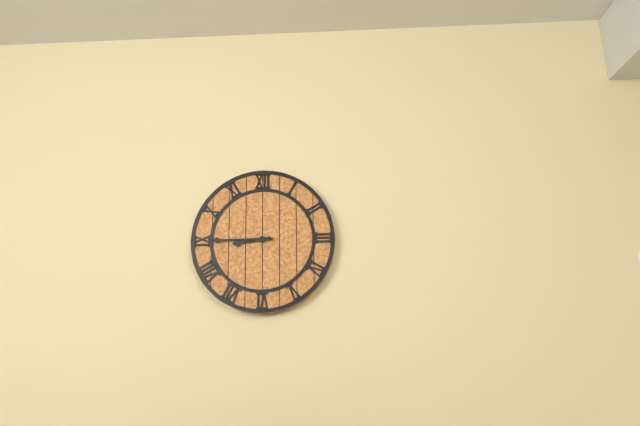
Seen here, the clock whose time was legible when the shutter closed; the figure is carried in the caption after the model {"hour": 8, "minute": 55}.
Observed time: {"hour": 8, "minute": 45}
